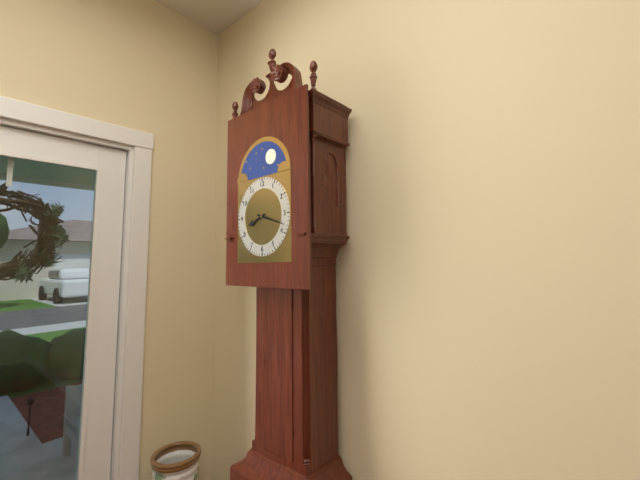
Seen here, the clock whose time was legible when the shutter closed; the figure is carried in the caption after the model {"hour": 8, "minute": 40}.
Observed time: {"hour": 8, "minute": 18}
